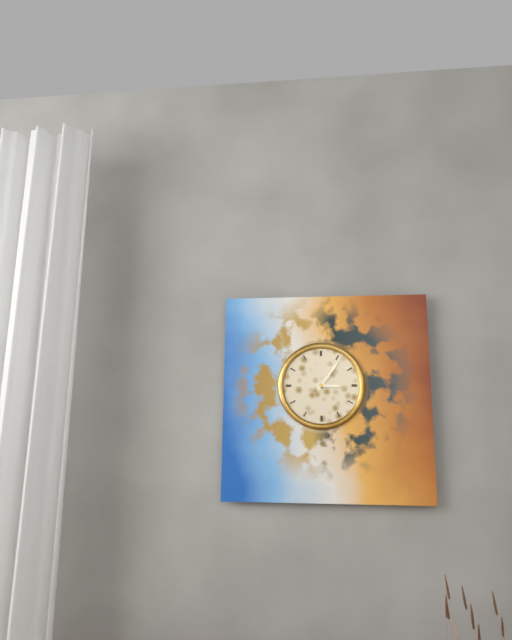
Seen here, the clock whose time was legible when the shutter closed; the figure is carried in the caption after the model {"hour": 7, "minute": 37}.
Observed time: {"hour": 3, "minute": 6}
